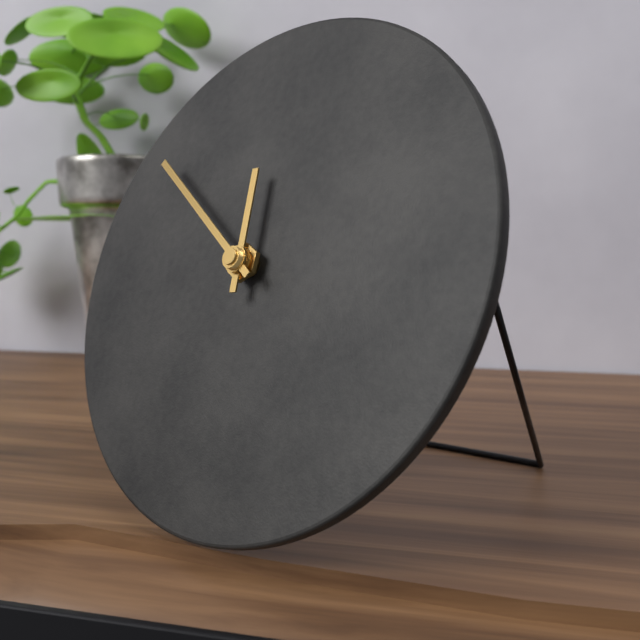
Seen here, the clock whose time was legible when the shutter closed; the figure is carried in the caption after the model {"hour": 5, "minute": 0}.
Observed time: {"hour": 11, "minute": 51}
